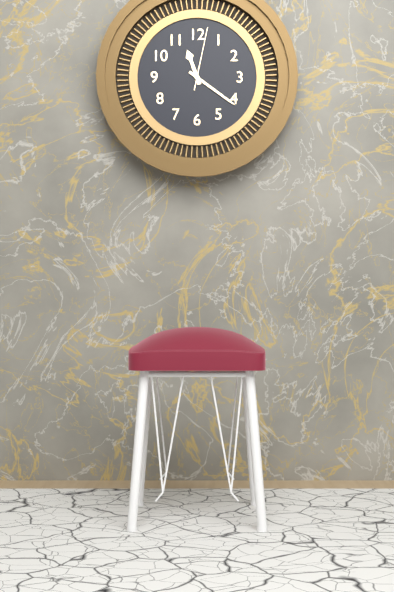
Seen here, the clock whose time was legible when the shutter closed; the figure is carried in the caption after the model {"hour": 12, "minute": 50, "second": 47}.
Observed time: {"hour": 11, "minute": 21, "second": 2}
